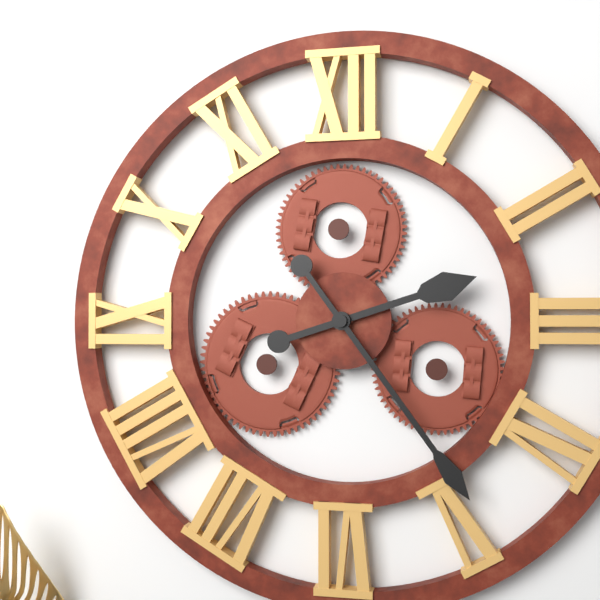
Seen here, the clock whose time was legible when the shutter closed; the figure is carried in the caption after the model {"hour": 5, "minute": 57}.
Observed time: {"hour": 2, "minute": 24}
